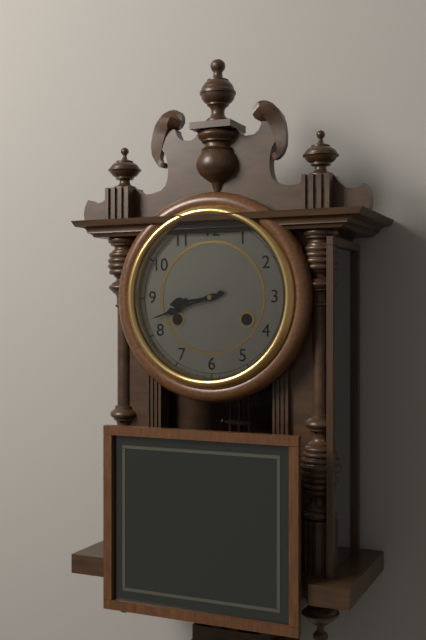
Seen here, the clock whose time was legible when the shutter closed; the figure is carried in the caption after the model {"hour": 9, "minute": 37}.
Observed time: {"hour": 8, "minute": 42}
